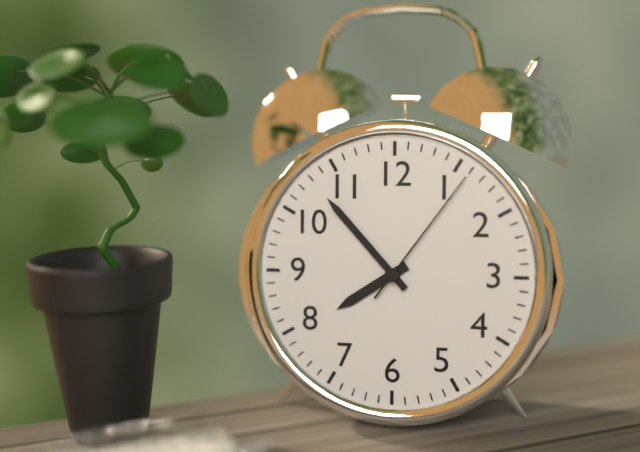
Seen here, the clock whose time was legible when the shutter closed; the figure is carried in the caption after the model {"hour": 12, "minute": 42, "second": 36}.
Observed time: {"hour": 7, "minute": 53, "second": 6}
